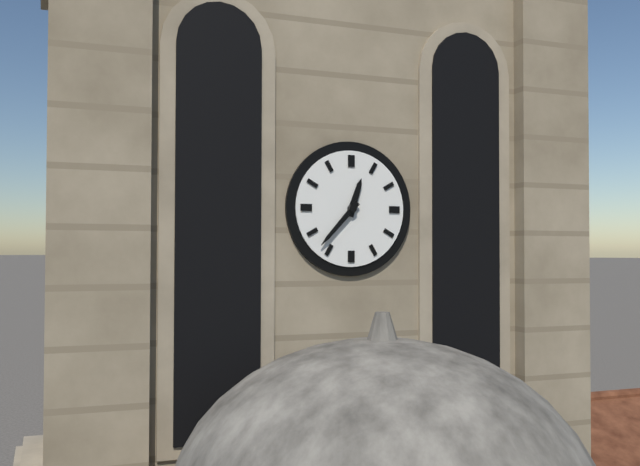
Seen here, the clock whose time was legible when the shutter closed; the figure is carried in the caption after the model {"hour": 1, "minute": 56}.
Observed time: {"hour": 12, "minute": 37}
